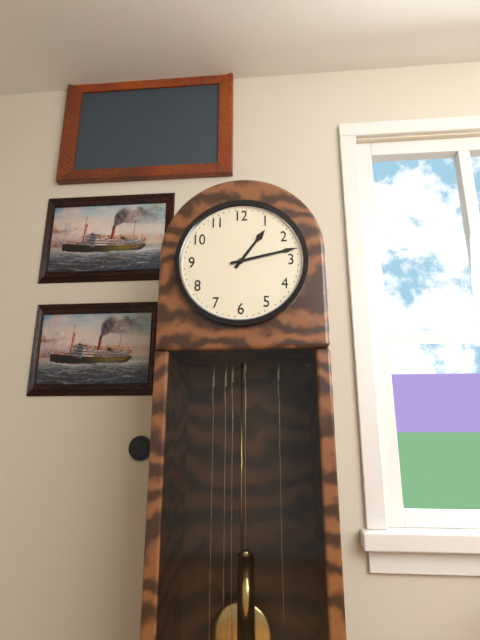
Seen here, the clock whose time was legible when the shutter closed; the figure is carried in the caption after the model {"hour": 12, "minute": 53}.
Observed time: {"hour": 1, "minute": 13}
